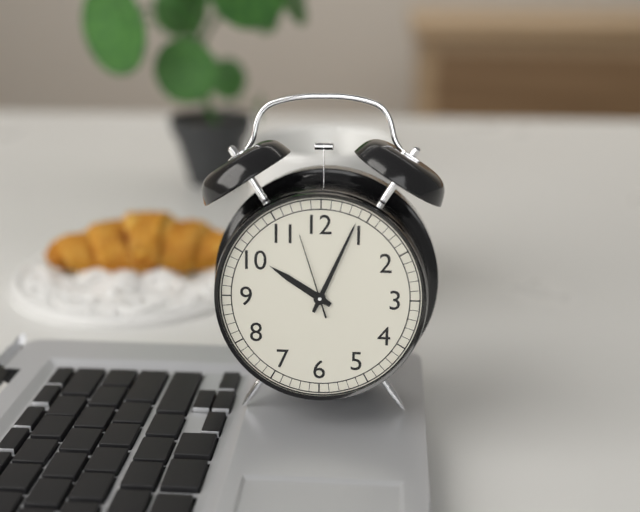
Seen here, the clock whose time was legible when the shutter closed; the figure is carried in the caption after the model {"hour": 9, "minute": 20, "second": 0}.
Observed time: {"hour": 10, "minute": 4, "second": 57}
